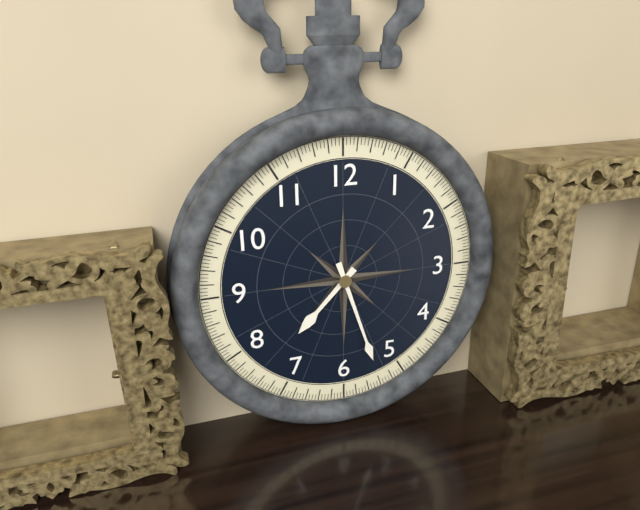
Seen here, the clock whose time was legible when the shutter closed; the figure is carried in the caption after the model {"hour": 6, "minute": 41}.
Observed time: {"hour": 7, "minute": 27}
